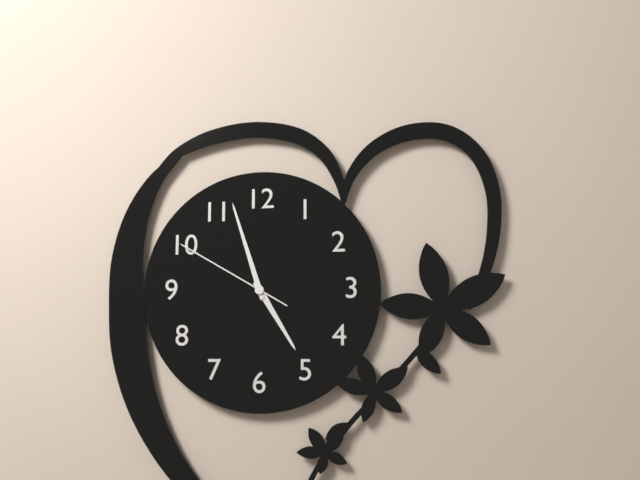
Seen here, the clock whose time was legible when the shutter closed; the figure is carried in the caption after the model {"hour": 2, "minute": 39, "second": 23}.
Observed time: {"hour": 4, "minute": 57, "second": 50}
